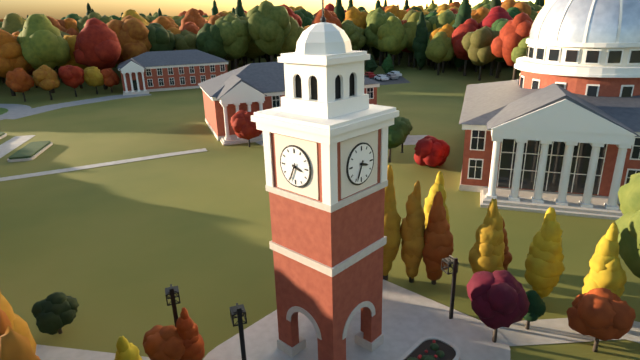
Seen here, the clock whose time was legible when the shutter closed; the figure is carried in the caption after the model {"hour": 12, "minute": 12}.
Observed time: {"hour": 3, "minute": 34}
